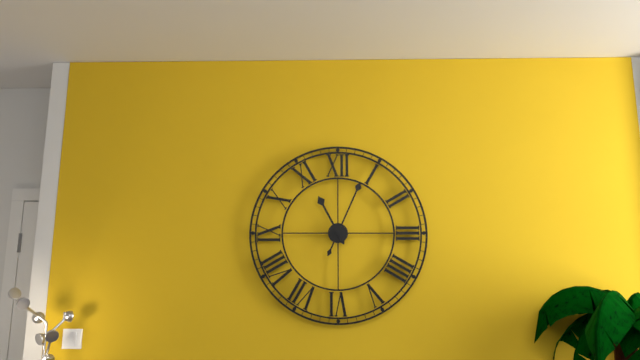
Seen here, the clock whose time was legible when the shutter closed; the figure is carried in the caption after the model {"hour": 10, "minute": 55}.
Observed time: {"hour": 11, "minute": 4}
